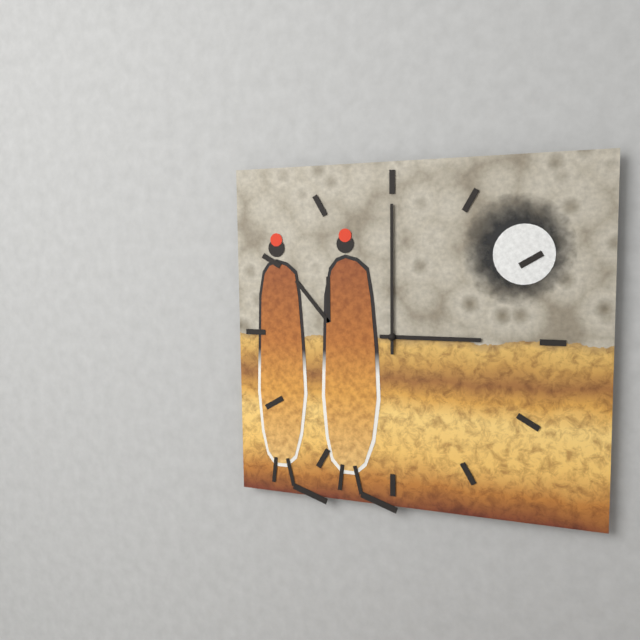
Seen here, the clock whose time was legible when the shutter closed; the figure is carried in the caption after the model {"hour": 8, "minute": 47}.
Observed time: {"hour": 3, "minute": 0}
